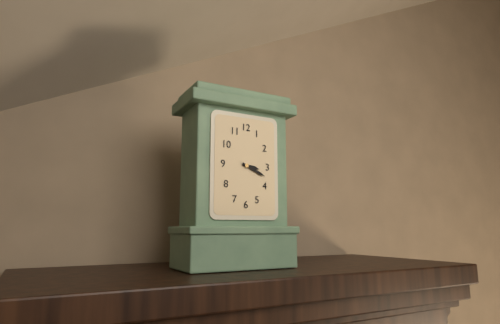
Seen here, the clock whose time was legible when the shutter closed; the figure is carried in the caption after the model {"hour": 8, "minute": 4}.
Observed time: {"hour": 3, "minute": 19}
